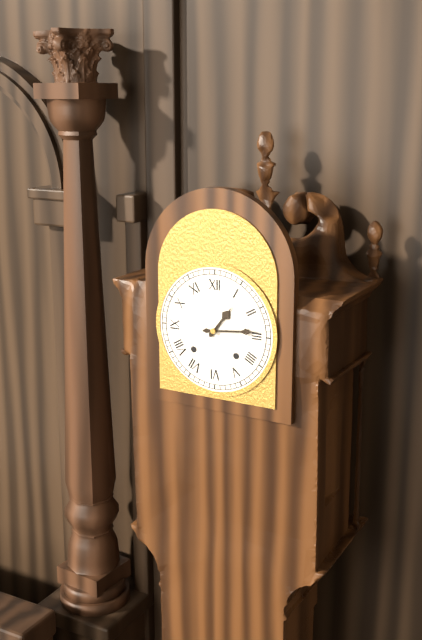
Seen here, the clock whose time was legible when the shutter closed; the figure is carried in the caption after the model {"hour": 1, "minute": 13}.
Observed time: {"hour": 1, "minute": 14}
